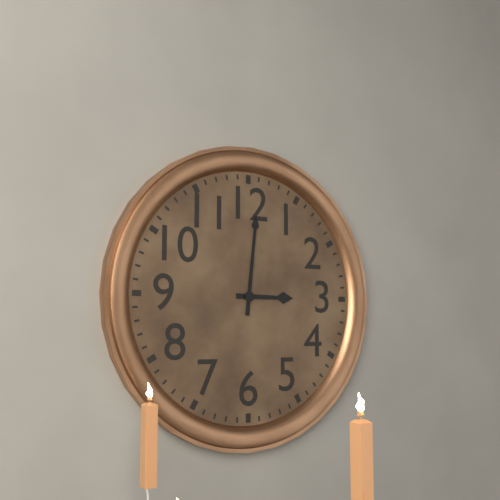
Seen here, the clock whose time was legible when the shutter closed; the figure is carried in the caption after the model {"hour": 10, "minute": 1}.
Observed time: {"hour": 3, "minute": 1}
